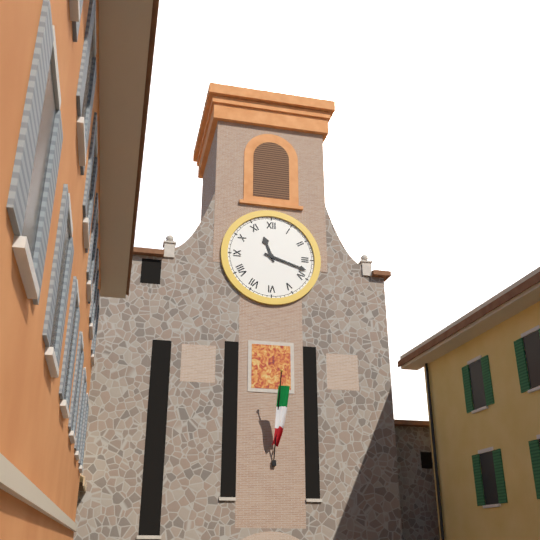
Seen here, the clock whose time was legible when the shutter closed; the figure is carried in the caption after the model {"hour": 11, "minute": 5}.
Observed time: {"hour": 11, "minute": 18}
